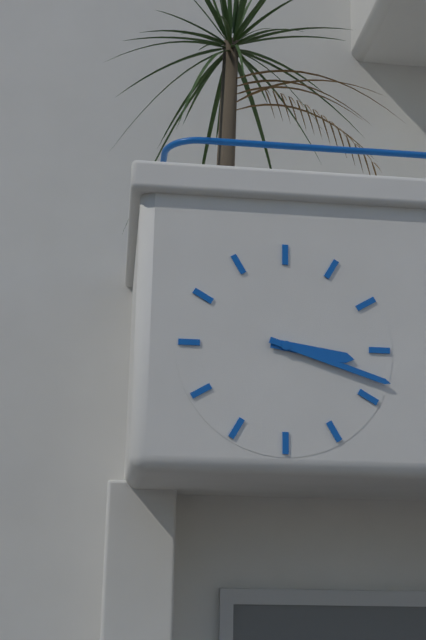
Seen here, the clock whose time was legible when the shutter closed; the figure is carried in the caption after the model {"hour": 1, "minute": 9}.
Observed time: {"hour": 3, "minute": 18}
